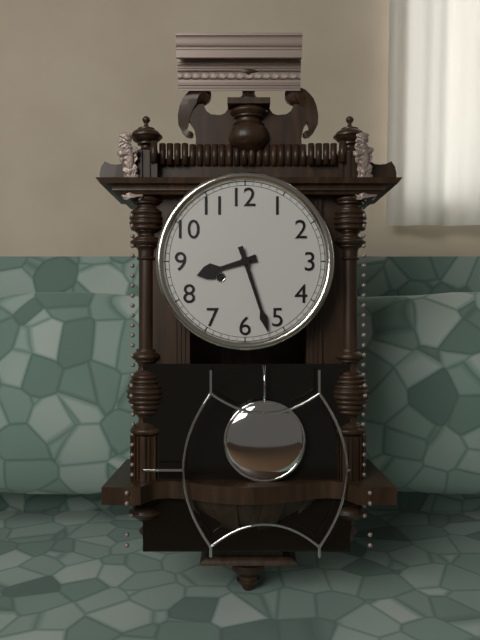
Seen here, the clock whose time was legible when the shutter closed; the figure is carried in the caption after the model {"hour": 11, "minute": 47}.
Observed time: {"hour": 8, "minute": 27}
